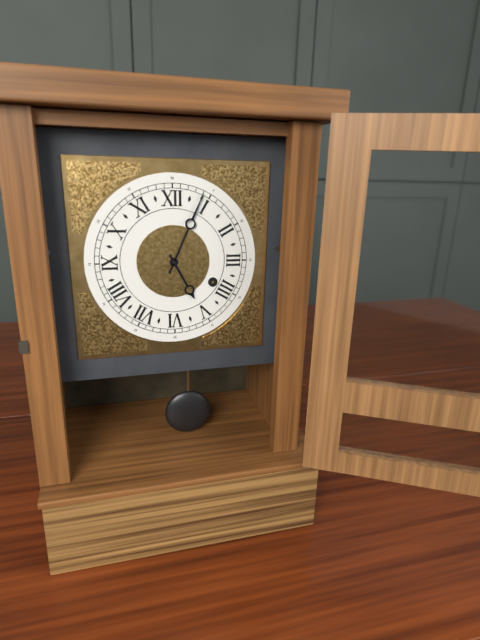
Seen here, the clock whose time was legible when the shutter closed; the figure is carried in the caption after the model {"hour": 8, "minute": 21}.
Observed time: {"hour": 5, "minute": 4}
